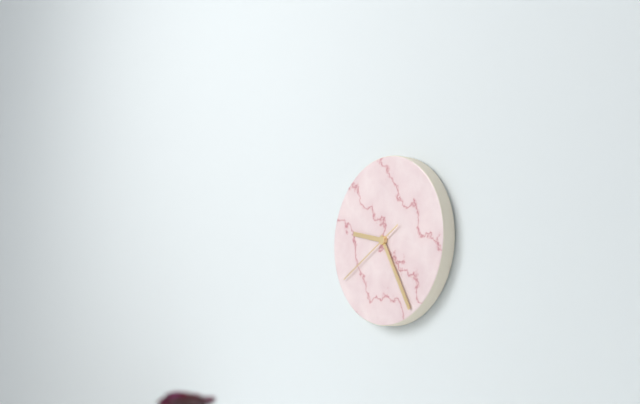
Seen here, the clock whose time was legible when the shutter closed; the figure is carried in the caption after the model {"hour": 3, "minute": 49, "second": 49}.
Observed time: {"hour": 9, "minute": 25, "second": 40}
